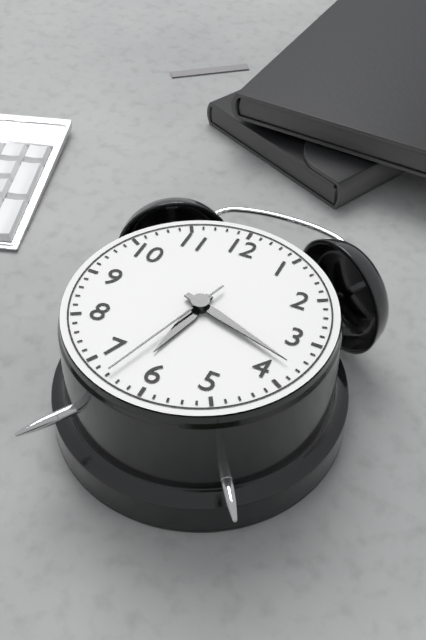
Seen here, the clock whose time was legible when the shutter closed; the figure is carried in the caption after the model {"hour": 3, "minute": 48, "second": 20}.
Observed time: {"hour": 6, "minute": 18, "second": 33}
